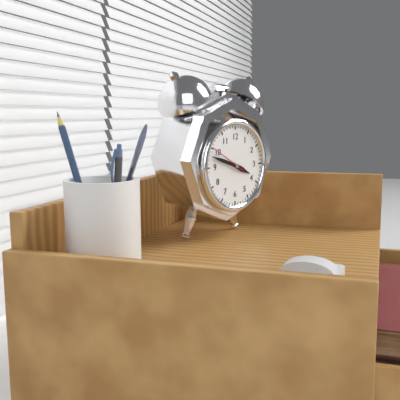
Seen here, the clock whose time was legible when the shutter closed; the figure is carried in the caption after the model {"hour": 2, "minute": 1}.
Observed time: {"hour": 3, "minute": 48}
